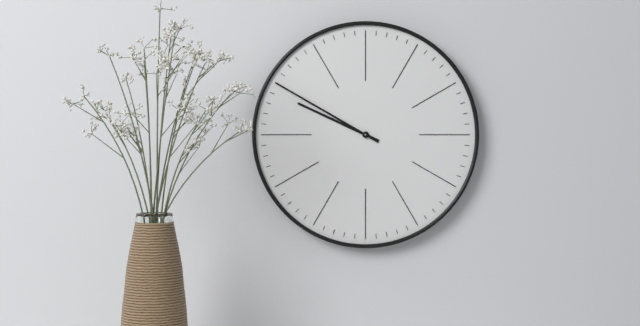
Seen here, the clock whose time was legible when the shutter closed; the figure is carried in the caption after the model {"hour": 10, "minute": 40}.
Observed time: {"hour": 9, "minute": 50}
